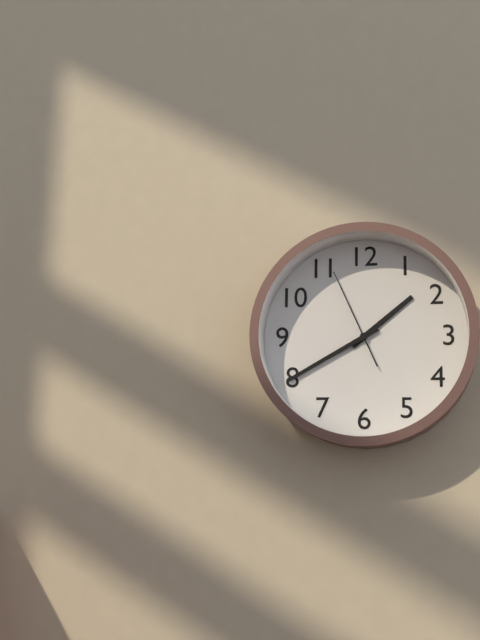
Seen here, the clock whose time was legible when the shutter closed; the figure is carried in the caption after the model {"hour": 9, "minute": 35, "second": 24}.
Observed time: {"hour": 1, "minute": 40, "second": 56}
